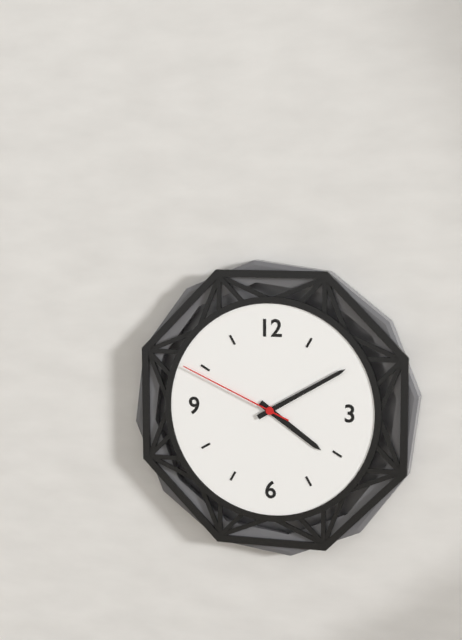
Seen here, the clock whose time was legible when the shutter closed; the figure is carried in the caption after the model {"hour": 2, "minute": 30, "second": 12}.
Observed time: {"hour": 4, "minute": 10, "second": 49}
